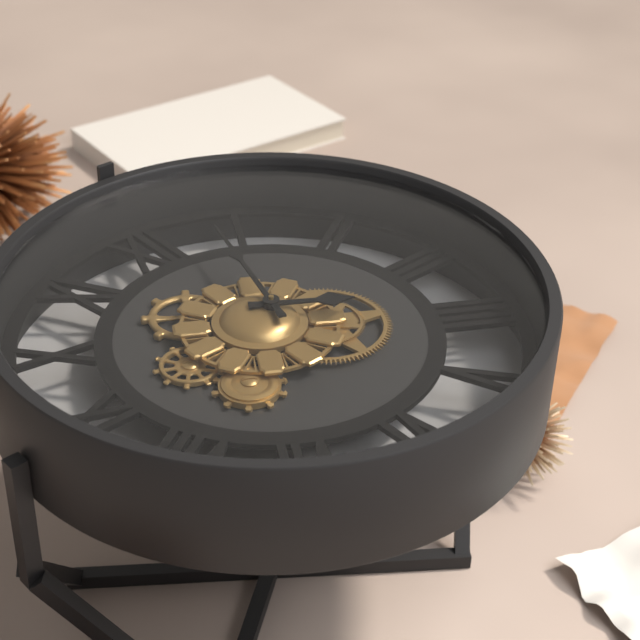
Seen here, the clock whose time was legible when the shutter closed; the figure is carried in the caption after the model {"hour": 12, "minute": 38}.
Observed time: {"hour": 4, "minute": 3}
